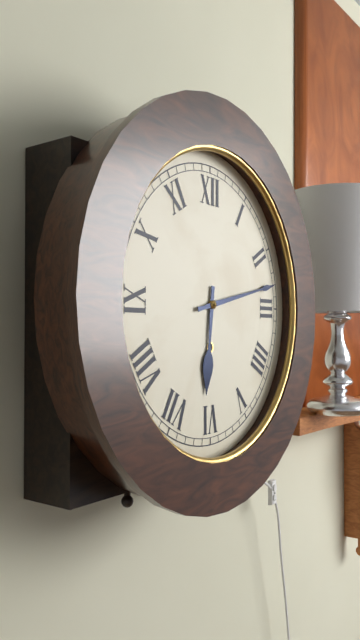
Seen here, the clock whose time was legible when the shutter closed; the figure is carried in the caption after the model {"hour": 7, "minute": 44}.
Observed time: {"hour": 6, "minute": 13}
